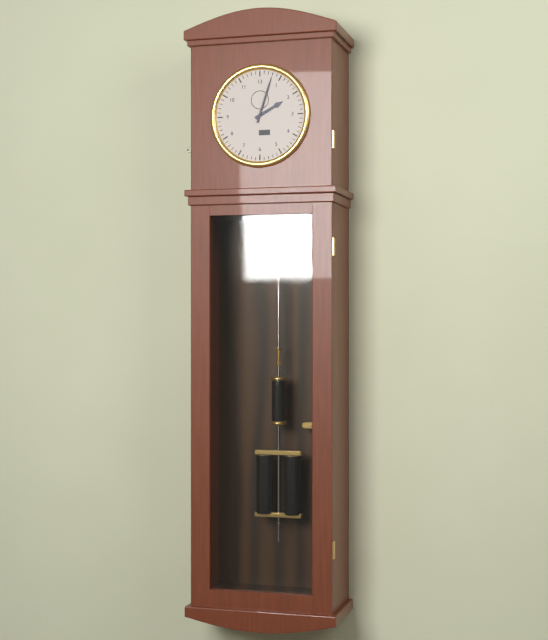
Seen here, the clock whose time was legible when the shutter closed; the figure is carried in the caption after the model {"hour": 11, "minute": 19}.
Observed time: {"hour": 2, "minute": 3}
